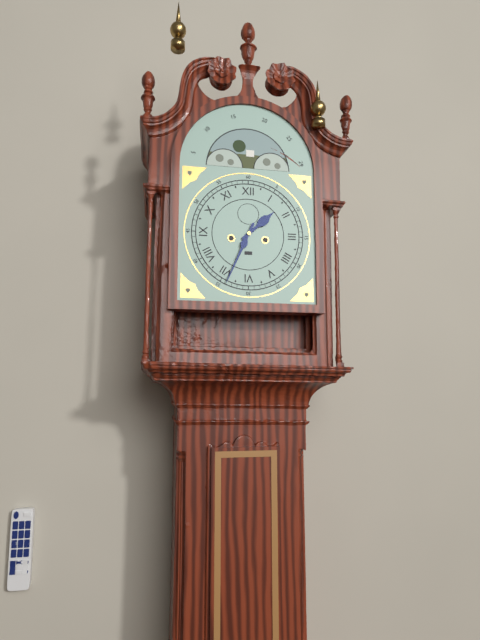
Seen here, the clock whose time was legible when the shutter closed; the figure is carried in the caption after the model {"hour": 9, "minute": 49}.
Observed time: {"hour": 1, "minute": 34}
